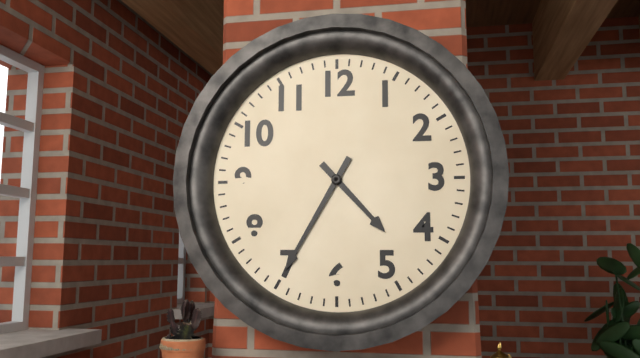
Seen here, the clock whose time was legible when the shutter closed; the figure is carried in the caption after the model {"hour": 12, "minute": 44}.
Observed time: {"hour": 4, "minute": 35}
